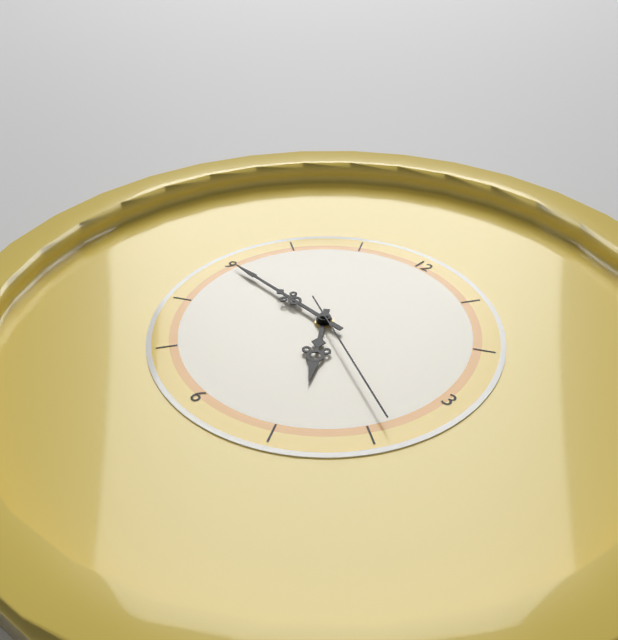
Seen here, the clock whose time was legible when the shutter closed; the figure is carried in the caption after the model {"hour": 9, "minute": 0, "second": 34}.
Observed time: {"hour": 4, "minute": 45, "second": 19}
